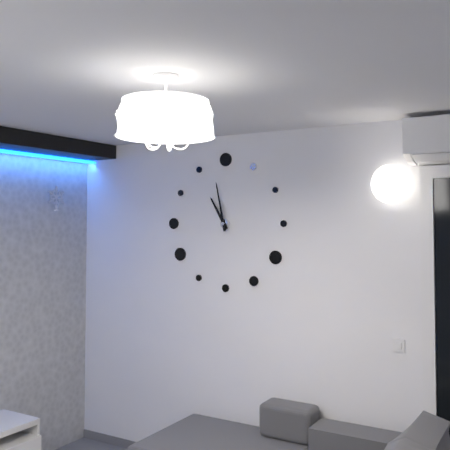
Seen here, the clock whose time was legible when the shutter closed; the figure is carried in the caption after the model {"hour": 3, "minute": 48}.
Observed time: {"hour": 10, "minute": 58}
